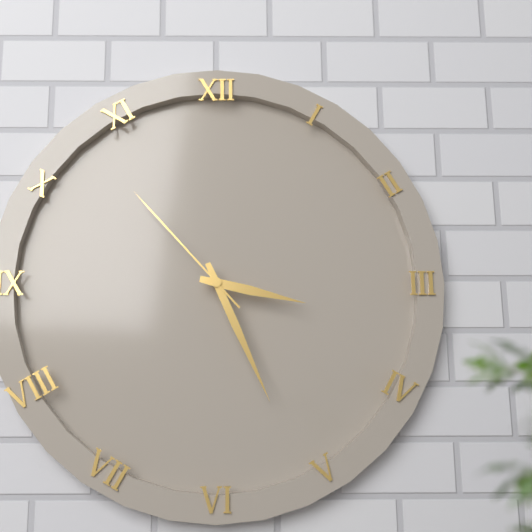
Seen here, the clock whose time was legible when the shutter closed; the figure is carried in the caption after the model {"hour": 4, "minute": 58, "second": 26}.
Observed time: {"hour": 3, "minute": 26, "second": 53}
